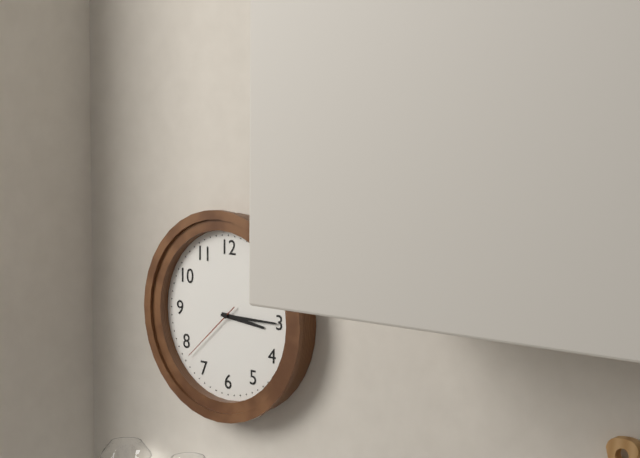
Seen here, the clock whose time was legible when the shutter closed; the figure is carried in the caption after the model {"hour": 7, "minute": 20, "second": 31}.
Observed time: {"hour": 3, "minute": 15, "second": 38}
